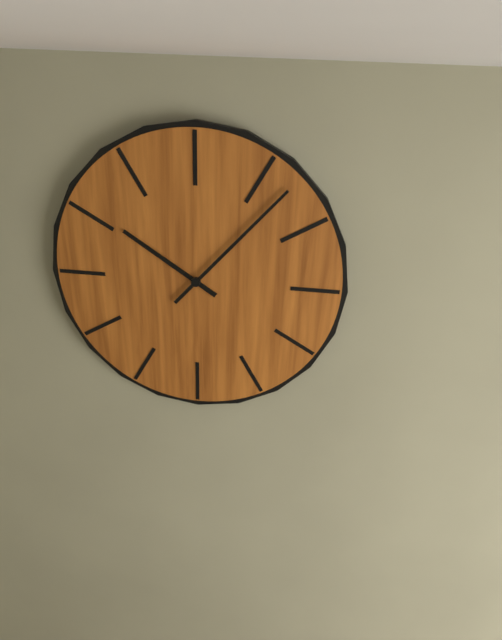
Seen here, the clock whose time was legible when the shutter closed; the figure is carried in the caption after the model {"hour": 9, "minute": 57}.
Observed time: {"hour": 10, "minute": 7}
